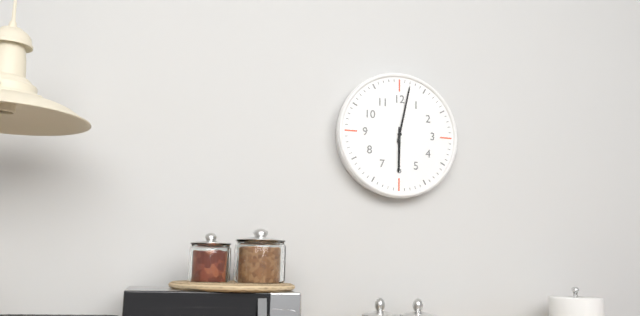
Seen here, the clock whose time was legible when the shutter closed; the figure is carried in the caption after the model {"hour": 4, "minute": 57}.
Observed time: {"hour": 6, "minute": 2}
